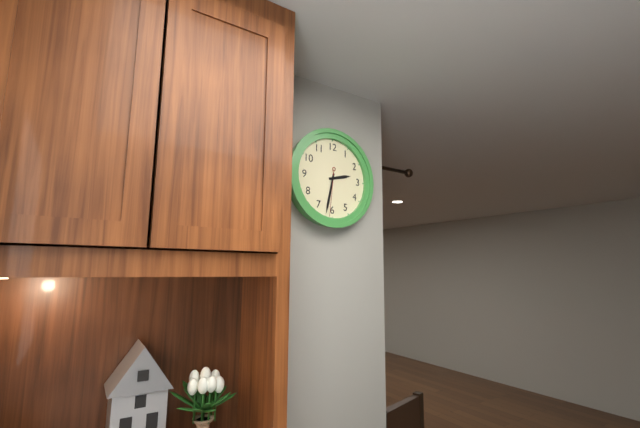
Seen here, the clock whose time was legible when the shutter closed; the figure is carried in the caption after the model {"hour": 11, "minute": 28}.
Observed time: {"hour": 2, "minute": 32}
